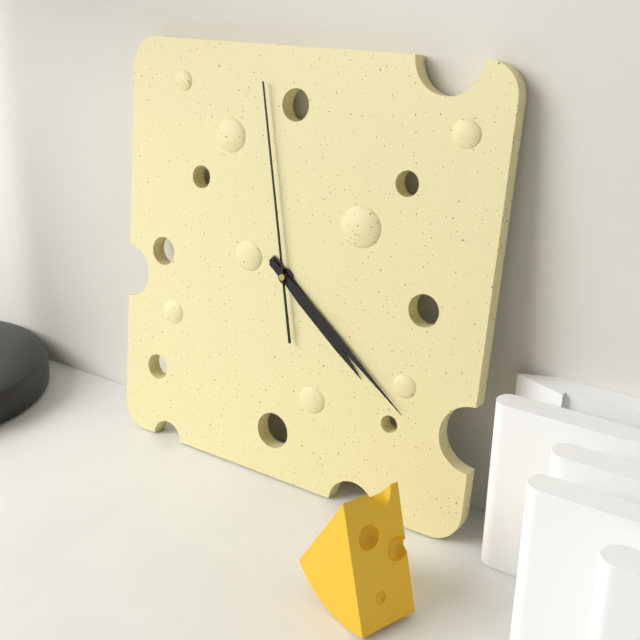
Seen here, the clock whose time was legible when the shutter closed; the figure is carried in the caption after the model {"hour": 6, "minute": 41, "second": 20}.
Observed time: {"hour": 4, "minute": 21, "second": 58}
